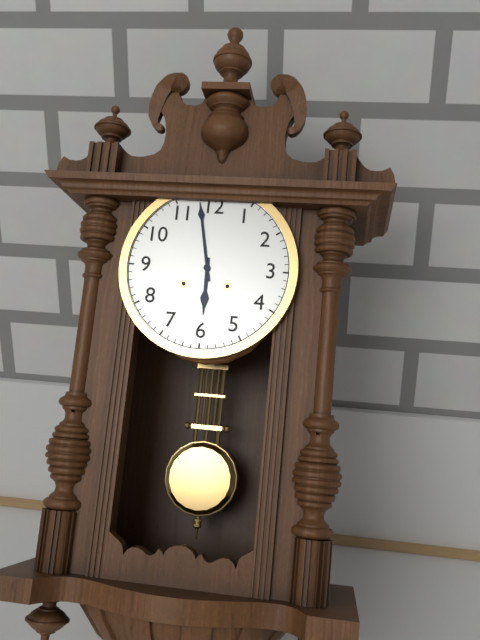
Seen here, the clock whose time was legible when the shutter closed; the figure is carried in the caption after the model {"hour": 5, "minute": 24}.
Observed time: {"hour": 5, "minute": 58}
